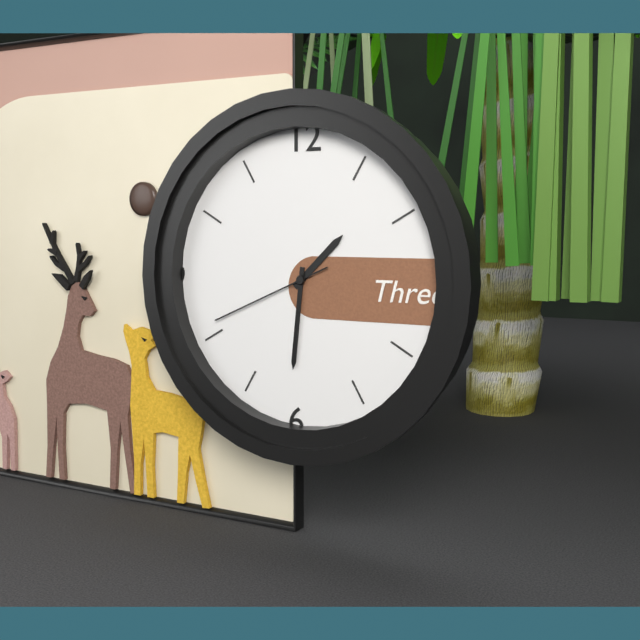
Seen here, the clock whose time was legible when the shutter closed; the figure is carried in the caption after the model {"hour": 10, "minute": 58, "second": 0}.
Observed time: {"hour": 1, "minute": 31, "second": 41}
